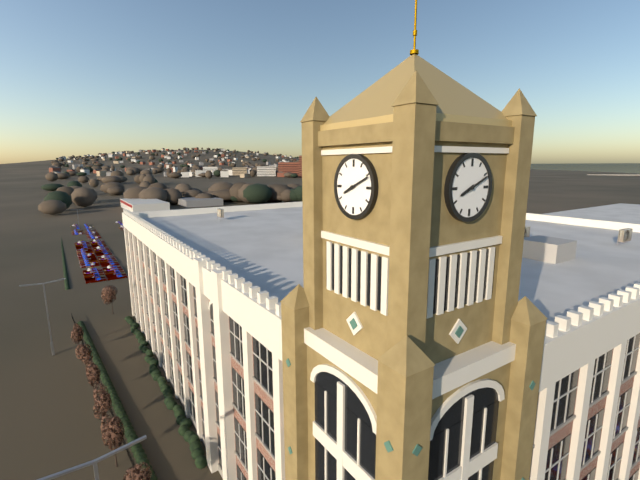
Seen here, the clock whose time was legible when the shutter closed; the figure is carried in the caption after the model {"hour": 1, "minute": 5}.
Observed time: {"hour": 8, "minute": 11}
